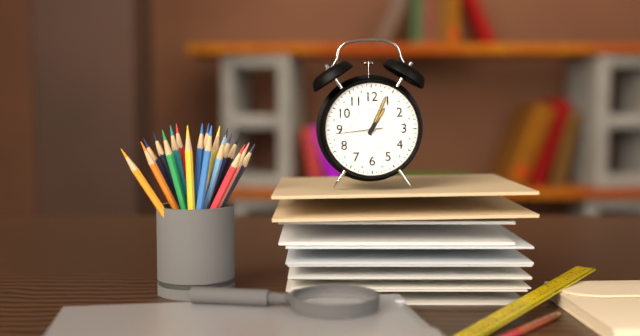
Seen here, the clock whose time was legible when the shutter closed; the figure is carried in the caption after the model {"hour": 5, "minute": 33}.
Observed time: {"hour": 1, "minute": 4}
